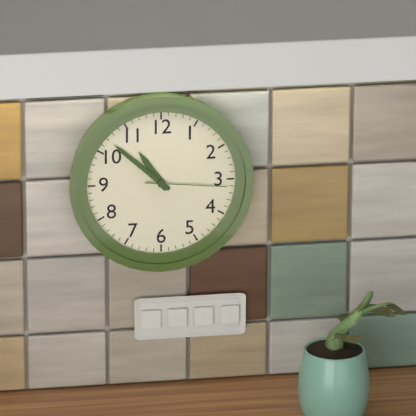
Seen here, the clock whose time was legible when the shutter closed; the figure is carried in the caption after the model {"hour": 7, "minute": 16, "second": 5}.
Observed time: {"hour": 10, "minute": 52, "second": 16}
